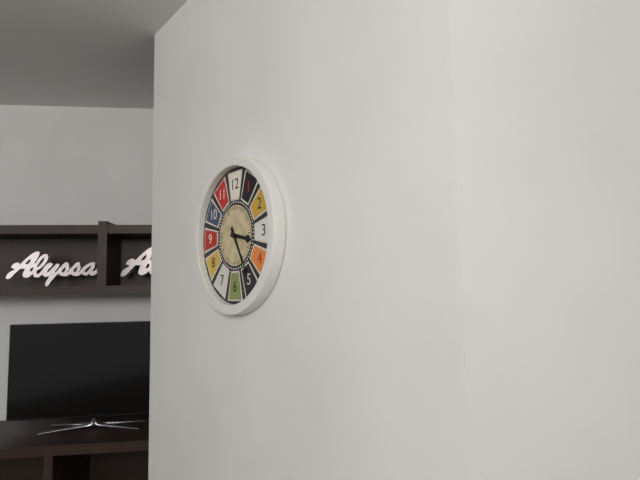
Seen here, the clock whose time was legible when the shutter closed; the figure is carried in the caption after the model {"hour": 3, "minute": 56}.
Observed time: {"hour": 3, "minute": 25}
